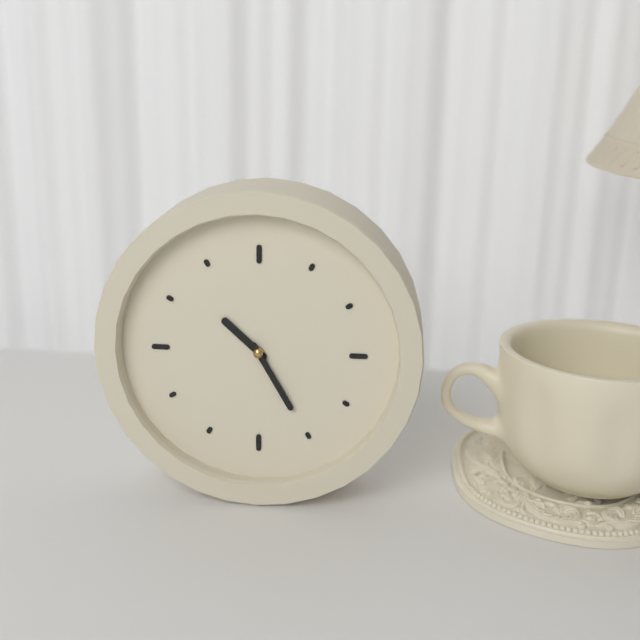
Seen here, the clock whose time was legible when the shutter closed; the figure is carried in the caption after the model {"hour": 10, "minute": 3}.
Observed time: {"hour": 10, "minute": 25}
